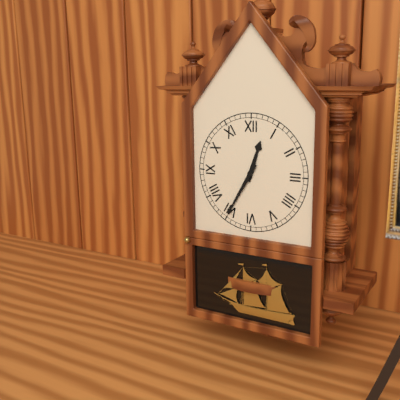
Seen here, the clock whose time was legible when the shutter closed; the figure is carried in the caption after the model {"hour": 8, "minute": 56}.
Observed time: {"hour": 12, "minute": 35}
